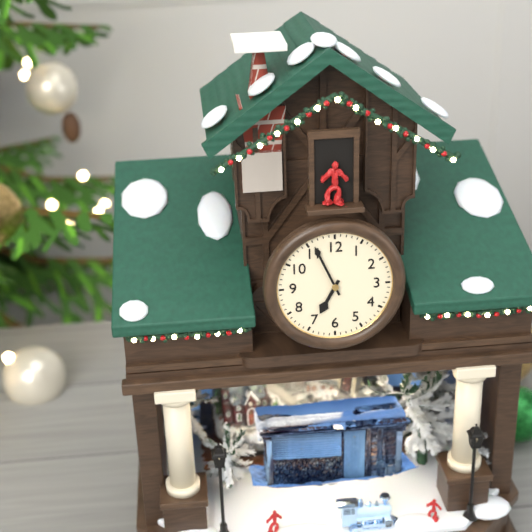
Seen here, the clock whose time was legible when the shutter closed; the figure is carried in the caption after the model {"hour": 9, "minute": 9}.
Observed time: {"hour": 6, "minute": 56}
